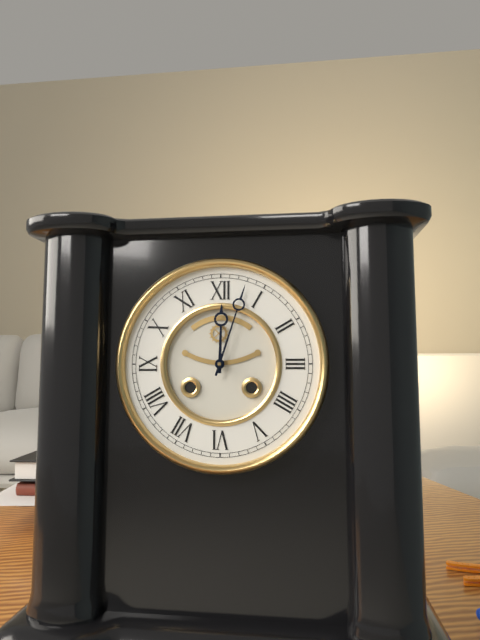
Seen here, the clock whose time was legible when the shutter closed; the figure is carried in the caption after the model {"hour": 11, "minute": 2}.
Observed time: {"hour": 12, "minute": 3}
